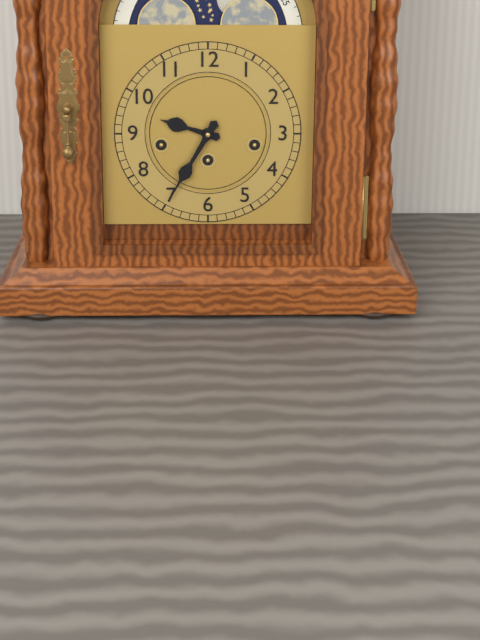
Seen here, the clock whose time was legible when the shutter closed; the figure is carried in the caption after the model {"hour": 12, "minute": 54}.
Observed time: {"hour": 9, "minute": 35}
